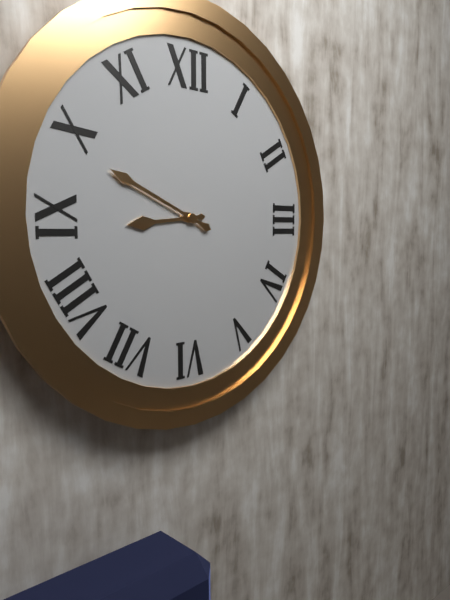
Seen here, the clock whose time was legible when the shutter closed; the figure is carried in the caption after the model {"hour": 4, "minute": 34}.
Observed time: {"hour": 8, "minute": 49}
